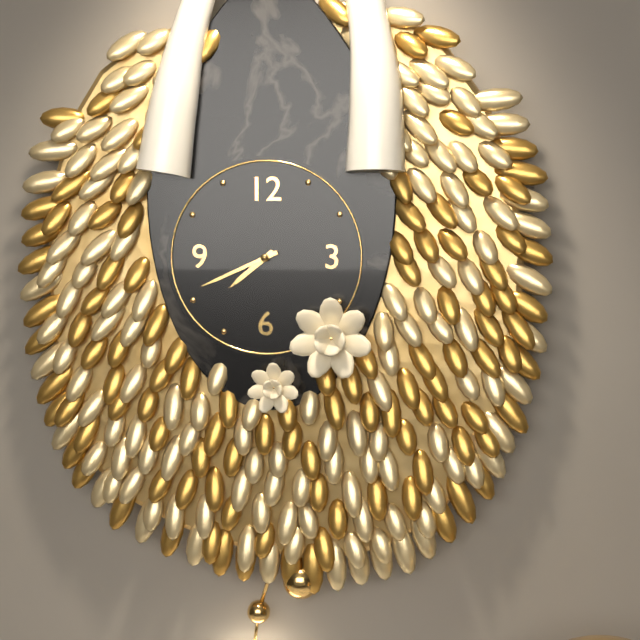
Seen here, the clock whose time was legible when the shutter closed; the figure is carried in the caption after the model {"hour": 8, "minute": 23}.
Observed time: {"hour": 7, "minute": 41}
